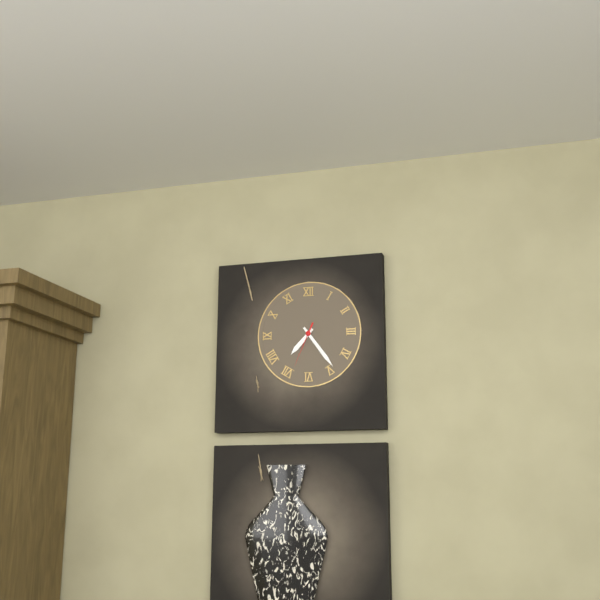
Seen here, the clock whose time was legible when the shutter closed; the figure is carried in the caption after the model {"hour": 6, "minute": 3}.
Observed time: {"hour": 7, "minute": 24}
